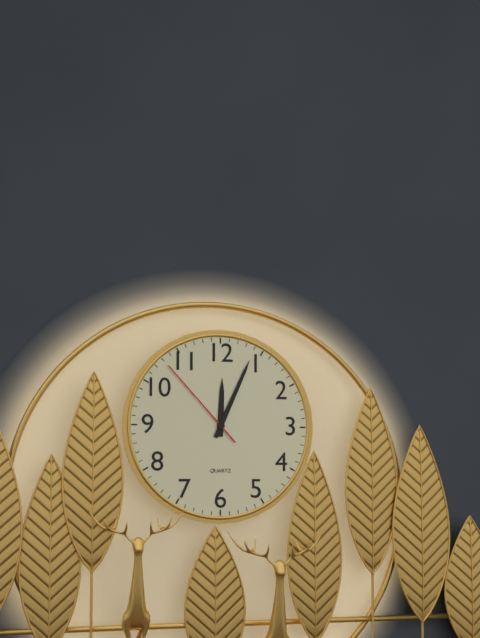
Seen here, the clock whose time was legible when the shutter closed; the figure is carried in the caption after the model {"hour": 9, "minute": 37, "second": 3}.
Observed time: {"hour": 12, "minute": 4, "second": 53}
